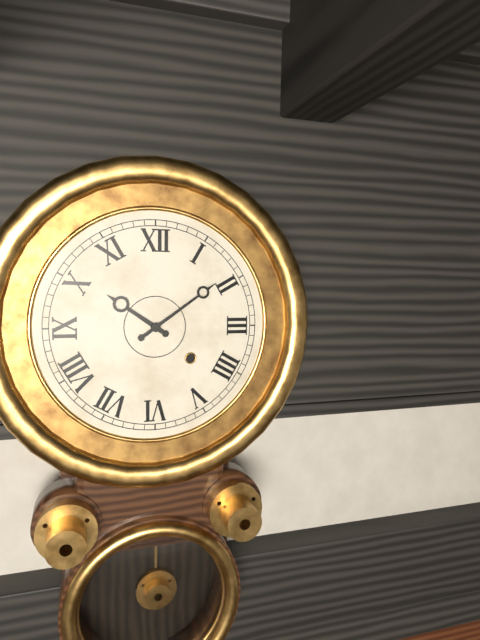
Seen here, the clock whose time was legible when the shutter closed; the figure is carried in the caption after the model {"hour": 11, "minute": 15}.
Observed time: {"hour": 10, "minute": 9}
